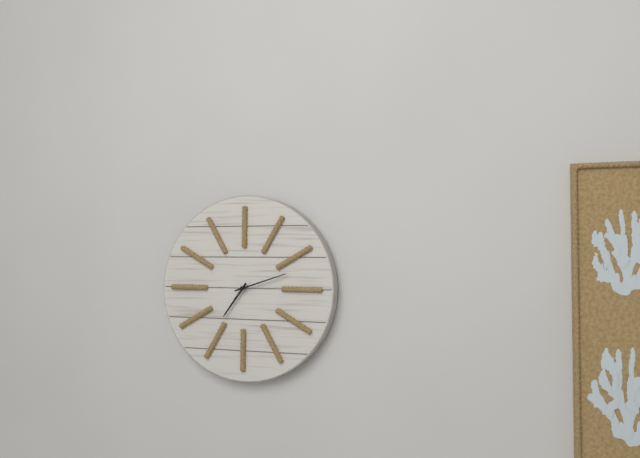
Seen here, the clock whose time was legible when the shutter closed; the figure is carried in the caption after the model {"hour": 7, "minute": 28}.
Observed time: {"hour": 7, "minute": 12}
